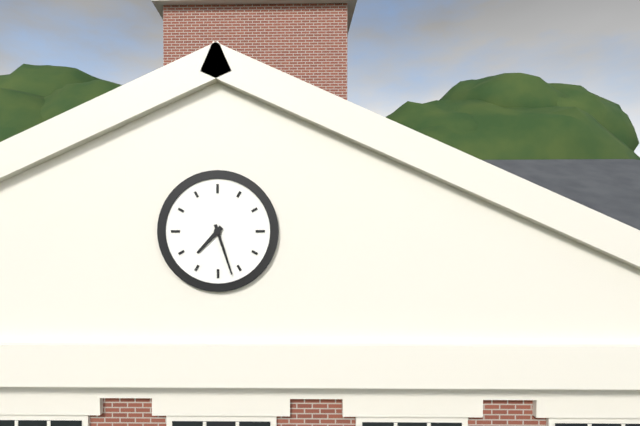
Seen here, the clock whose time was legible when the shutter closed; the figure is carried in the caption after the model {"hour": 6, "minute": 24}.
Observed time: {"hour": 7, "minute": 27}
